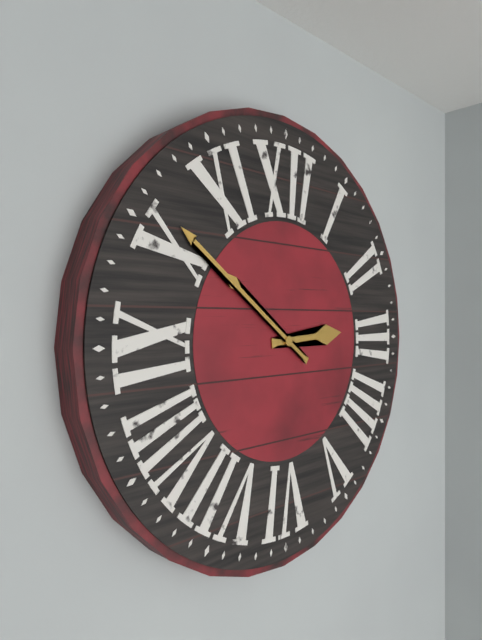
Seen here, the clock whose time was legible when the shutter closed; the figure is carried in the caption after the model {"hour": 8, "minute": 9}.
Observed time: {"hour": 2, "minute": 51}
